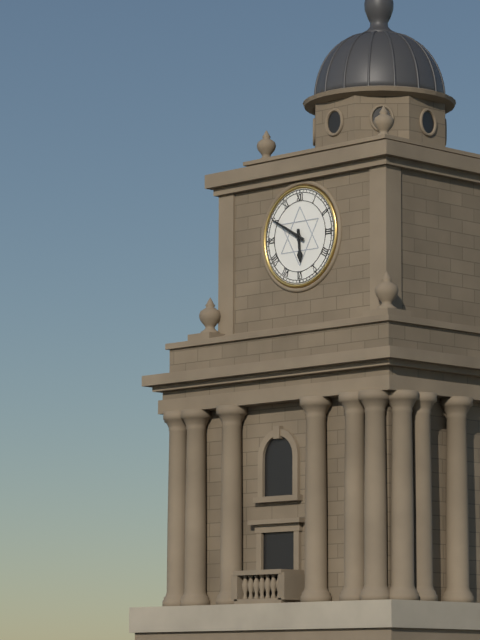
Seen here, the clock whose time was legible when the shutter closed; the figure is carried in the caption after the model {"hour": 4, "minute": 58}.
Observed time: {"hour": 5, "minute": 50}
